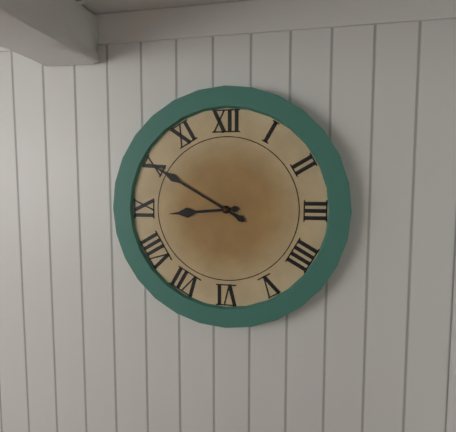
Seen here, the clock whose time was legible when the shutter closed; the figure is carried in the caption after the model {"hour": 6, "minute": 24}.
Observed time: {"hour": 8, "minute": 50}
